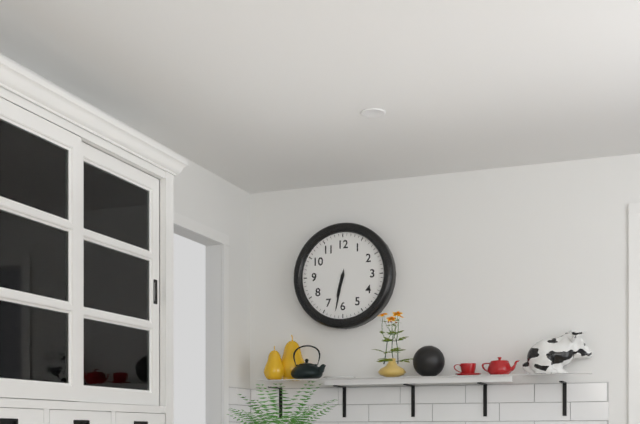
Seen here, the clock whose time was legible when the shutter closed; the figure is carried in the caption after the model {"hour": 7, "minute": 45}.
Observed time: {"hour": 6, "minute": 32}
